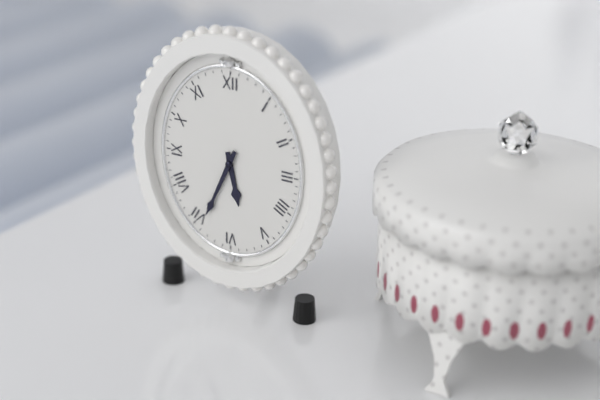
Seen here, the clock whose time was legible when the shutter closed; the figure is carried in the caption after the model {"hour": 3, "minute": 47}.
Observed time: {"hour": 5, "minute": 34}
